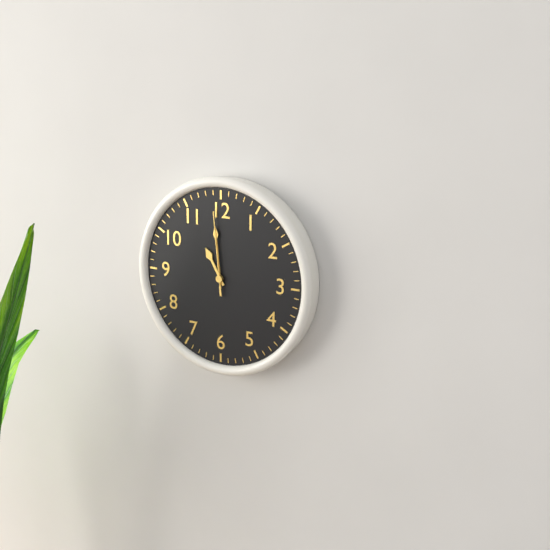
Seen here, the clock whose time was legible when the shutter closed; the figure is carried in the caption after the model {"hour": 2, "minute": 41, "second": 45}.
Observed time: {"hour": 10, "minute": 59, "second": 59}
